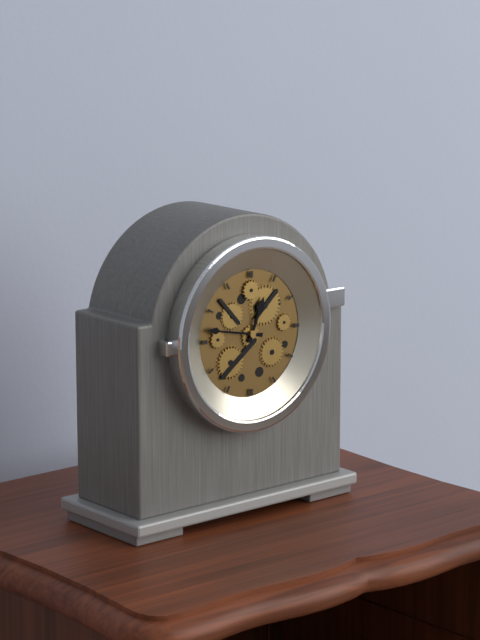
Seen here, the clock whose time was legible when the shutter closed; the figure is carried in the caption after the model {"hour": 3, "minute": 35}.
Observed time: {"hour": 12, "minute": 47}
